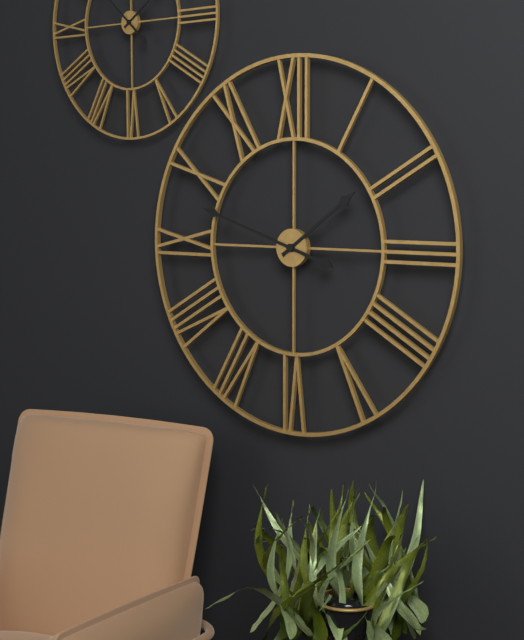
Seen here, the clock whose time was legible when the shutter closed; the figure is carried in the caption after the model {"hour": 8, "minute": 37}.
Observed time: {"hour": 1, "minute": 48}
